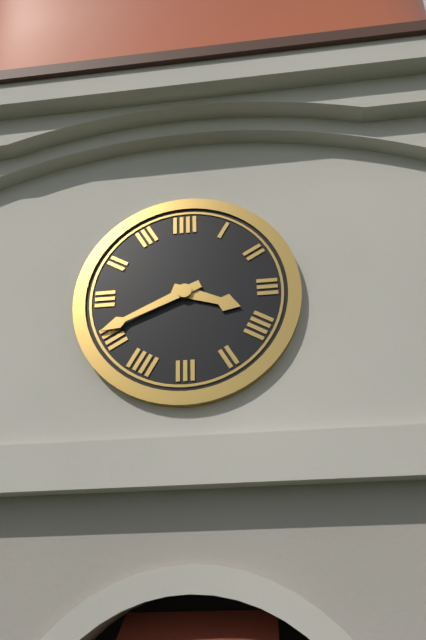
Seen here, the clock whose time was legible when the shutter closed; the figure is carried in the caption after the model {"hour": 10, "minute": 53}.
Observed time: {"hour": 3, "minute": 41}
